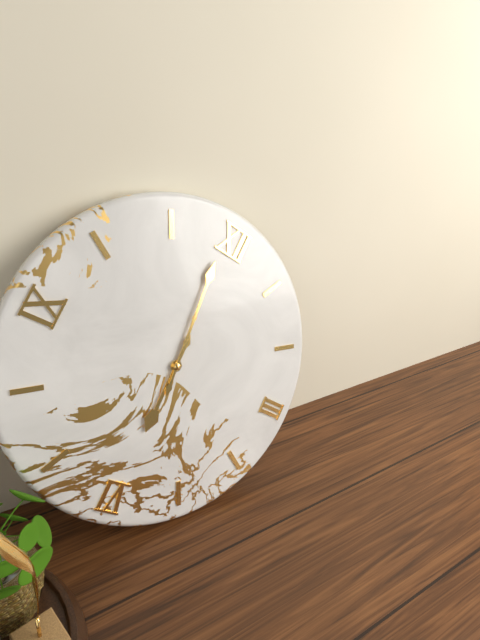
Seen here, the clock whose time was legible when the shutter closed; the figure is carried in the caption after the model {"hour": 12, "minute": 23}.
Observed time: {"hour": 5, "minute": 59}
